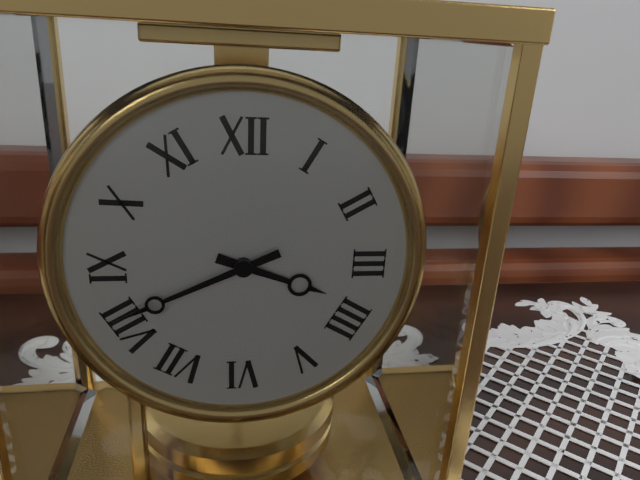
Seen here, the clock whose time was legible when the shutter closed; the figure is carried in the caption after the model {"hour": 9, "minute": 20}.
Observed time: {"hour": 3, "minute": 41}
